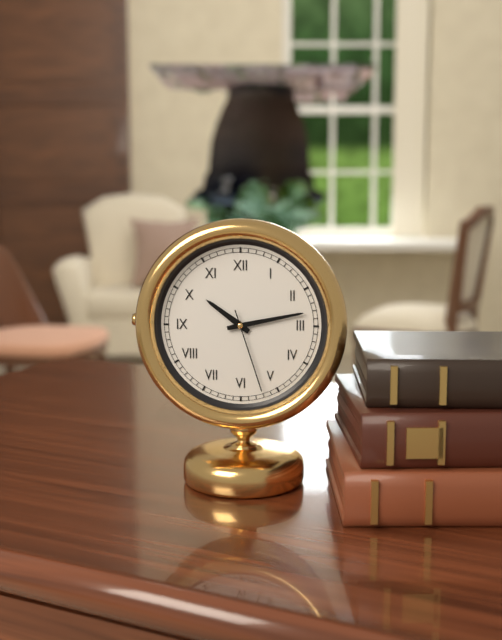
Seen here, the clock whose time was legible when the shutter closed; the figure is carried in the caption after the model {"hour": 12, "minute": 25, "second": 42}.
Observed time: {"hour": 10, "minute": 13, "second": 27}
